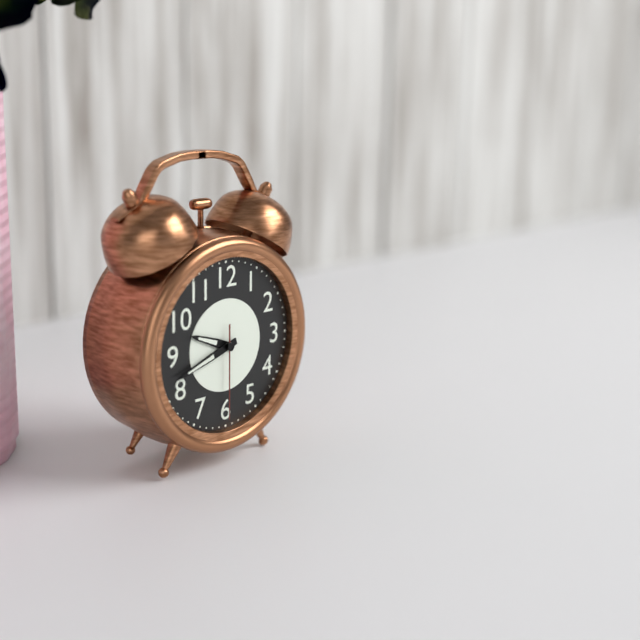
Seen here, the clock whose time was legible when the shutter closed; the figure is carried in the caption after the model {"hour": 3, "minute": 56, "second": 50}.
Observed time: {"hour": 9, "minute": 42, "second": 30}
